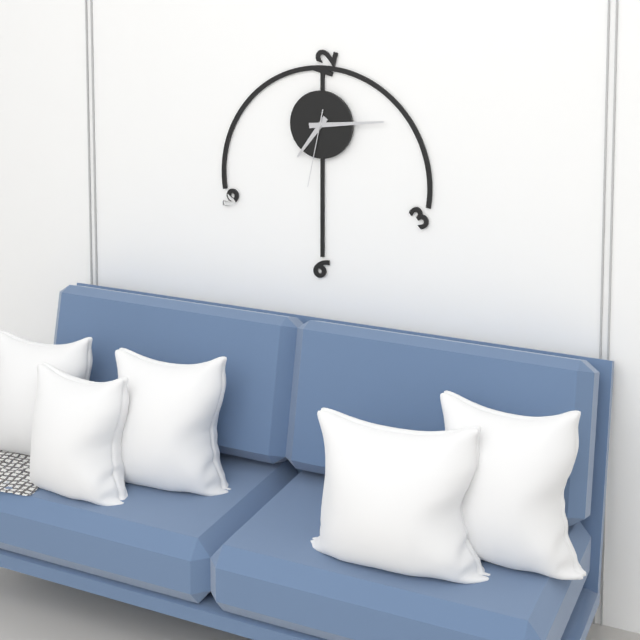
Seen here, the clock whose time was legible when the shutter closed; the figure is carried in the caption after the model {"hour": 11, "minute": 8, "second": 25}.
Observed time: {"hour": 7, "minute": 14, "second": 32}
